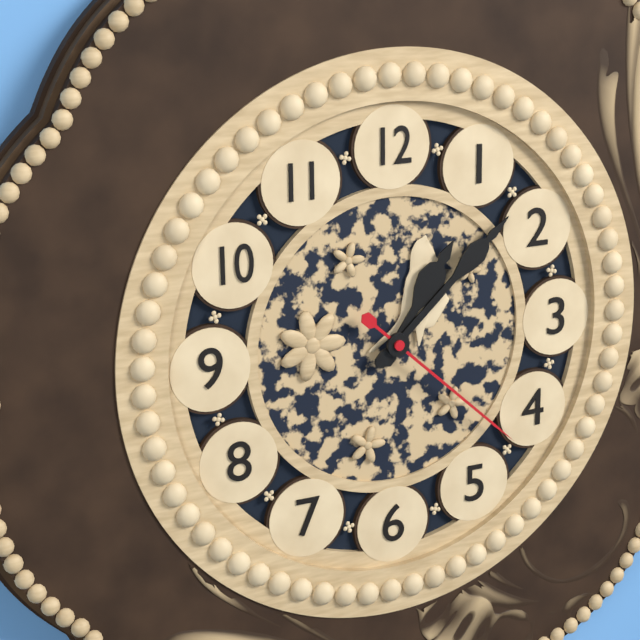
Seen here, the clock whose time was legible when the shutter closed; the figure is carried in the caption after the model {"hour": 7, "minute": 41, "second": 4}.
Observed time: {"hour": 1, "minute": 8, "second": 22}
